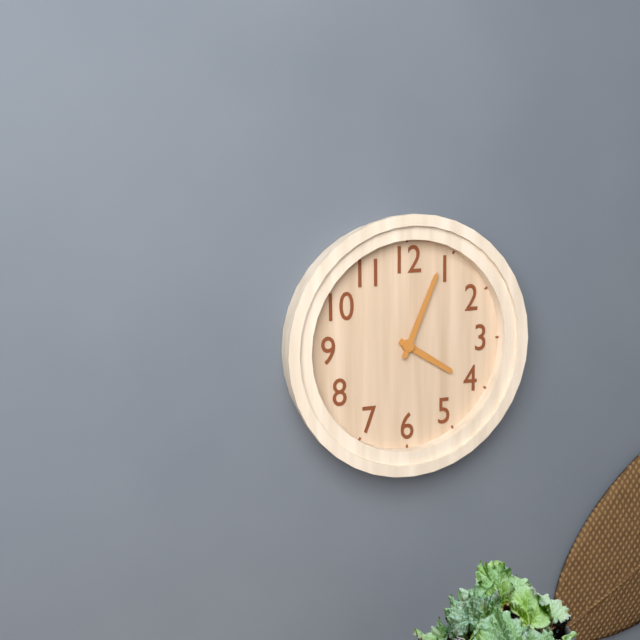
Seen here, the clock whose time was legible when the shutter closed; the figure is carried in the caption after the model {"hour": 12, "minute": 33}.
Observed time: {"hour": 4, "minute": 4}
